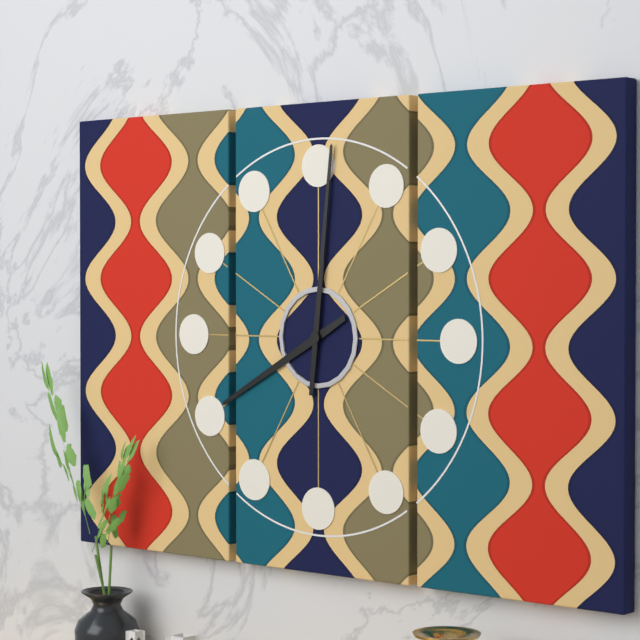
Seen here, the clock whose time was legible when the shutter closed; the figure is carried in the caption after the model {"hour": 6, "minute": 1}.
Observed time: {"hour": 8, "minute": 1}
